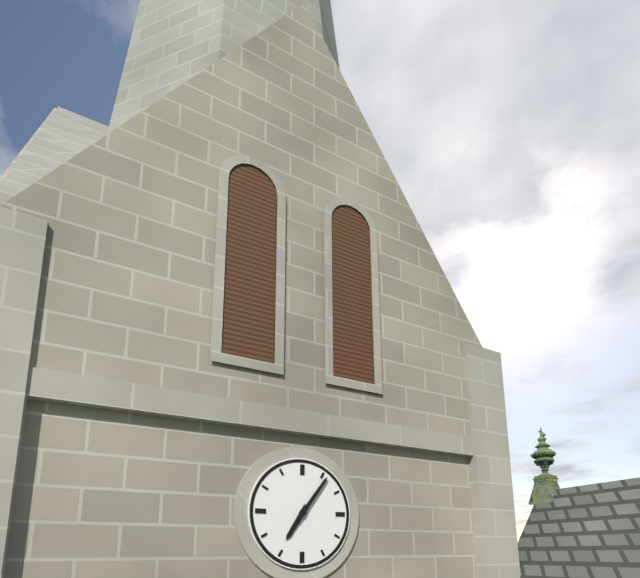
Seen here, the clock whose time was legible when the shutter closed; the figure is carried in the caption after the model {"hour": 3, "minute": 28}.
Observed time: {"hour": 7, "minute": 6}
